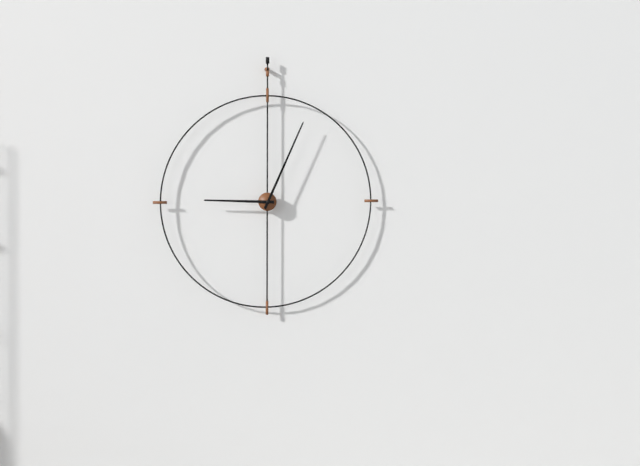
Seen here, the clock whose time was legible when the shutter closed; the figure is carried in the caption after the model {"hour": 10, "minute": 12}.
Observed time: {"hour": 9, "minute": 4}
